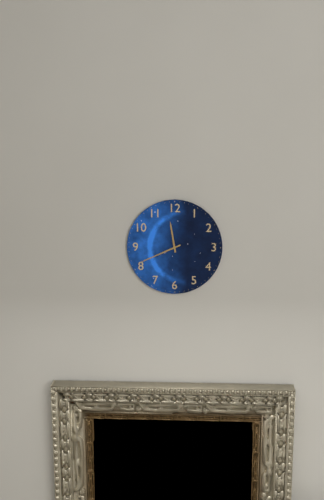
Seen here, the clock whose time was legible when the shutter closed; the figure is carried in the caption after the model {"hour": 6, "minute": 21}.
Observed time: {"hour": 11, "minute": 41}
